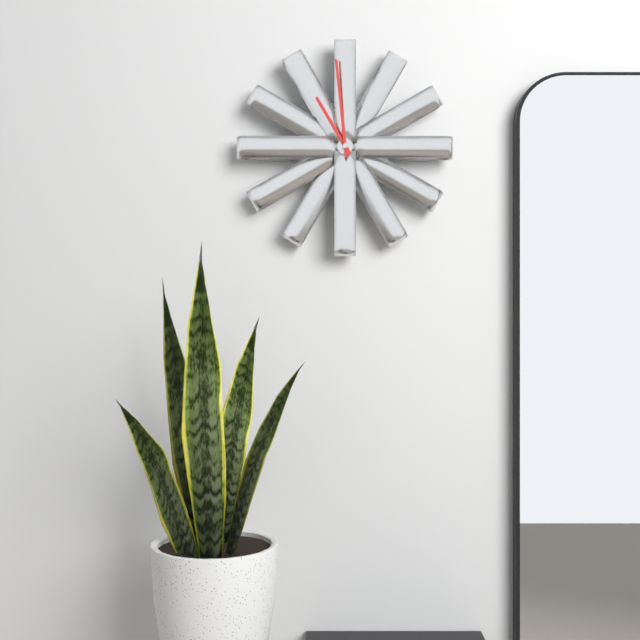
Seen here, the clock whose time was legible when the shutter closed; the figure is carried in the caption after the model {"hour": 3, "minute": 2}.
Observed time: {"hour": 10, "minute": 59}
